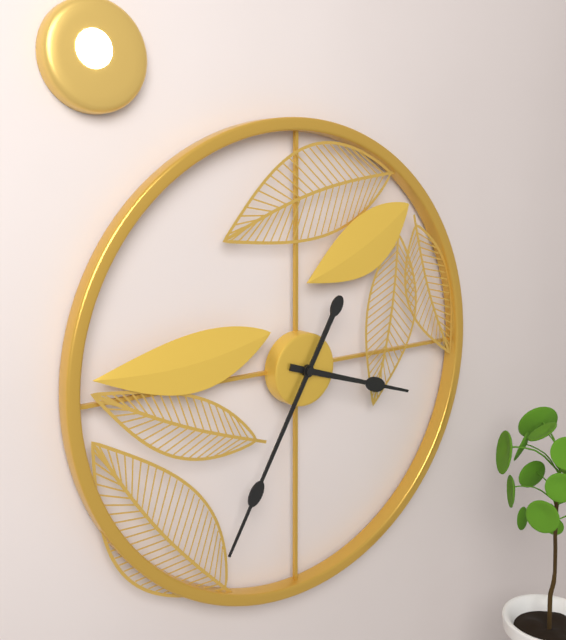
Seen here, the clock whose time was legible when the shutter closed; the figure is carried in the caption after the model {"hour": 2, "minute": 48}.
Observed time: {"hour": 3, "minute": 35}
